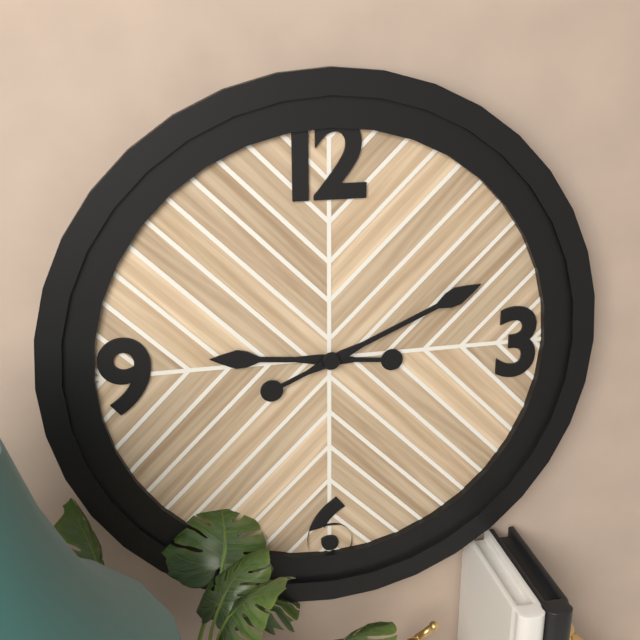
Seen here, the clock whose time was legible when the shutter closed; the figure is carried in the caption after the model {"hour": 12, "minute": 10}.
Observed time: {"hour": 9, "minute": 11}
